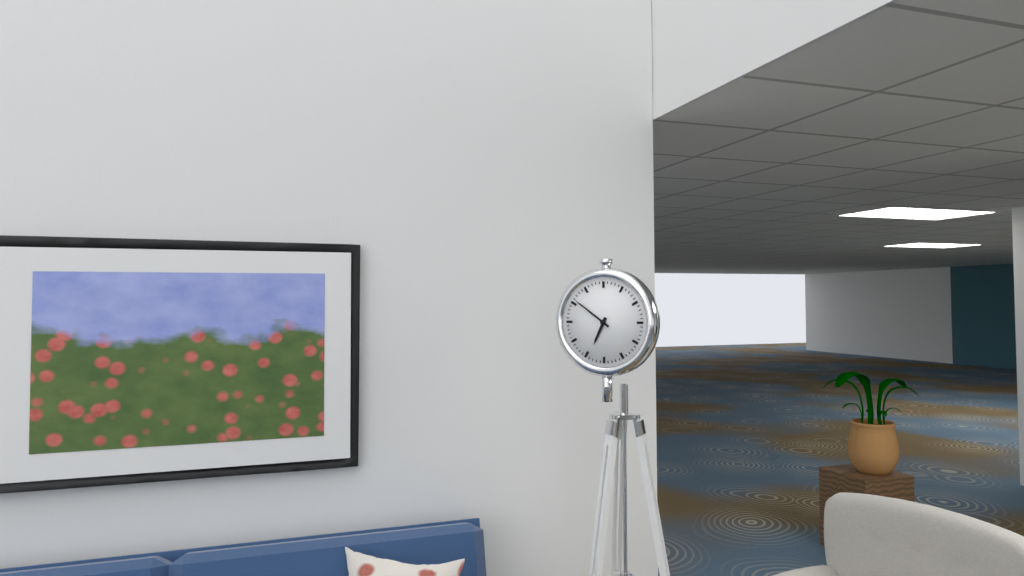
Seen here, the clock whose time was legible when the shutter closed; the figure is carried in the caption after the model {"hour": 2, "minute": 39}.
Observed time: {"hour": 6, "minute": 51}
